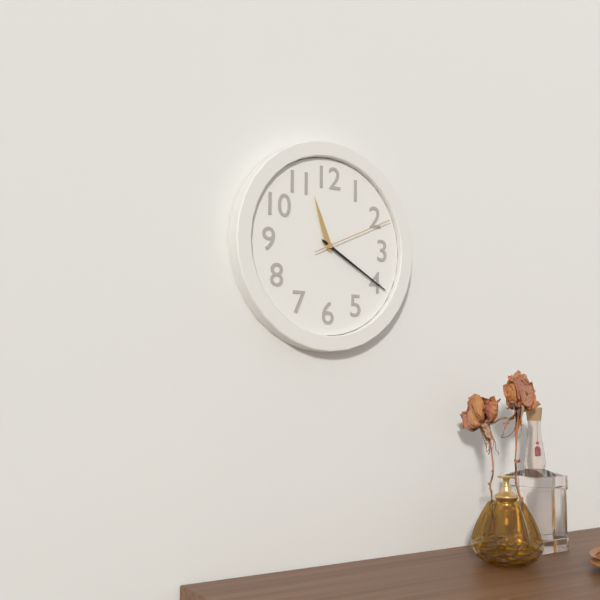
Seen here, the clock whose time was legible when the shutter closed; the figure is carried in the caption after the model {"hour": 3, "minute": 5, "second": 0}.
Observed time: {"hour": 11, "minute": 20, "second": 11}
